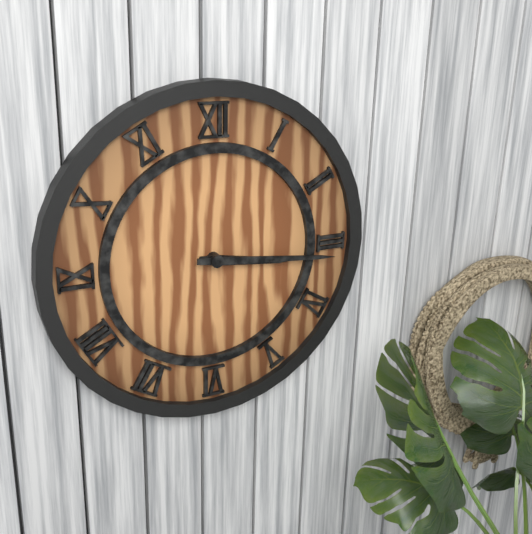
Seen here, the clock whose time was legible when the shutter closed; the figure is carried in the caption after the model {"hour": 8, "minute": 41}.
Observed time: {"hour": 3, "minute": 16}
